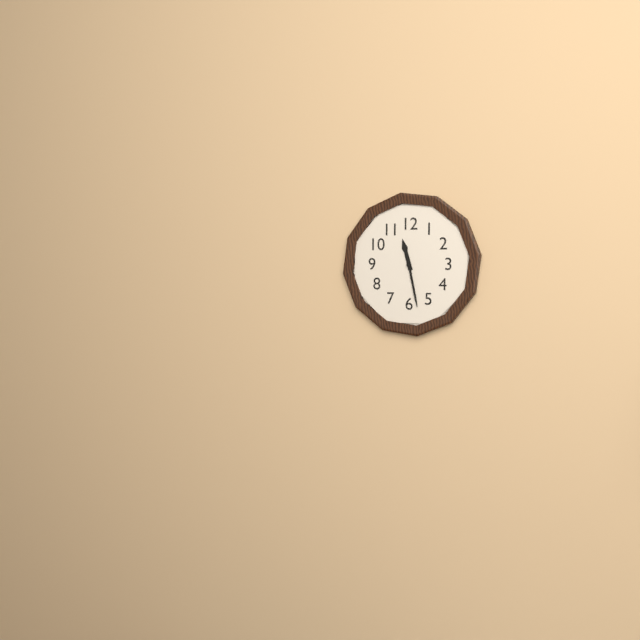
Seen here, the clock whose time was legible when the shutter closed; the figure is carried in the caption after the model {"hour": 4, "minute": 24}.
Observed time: {"hour": 11, "minute": 28}
